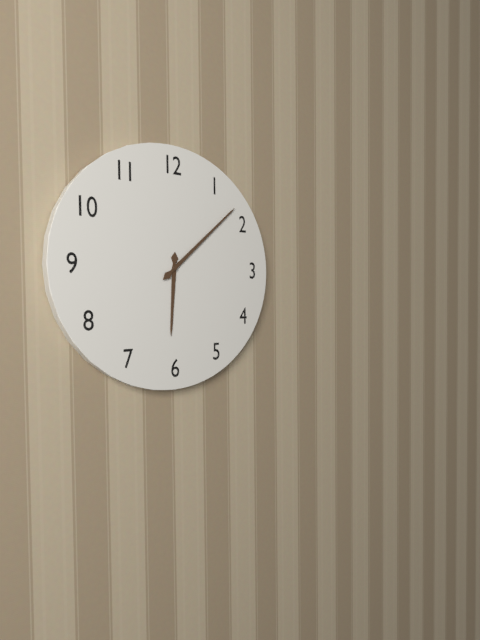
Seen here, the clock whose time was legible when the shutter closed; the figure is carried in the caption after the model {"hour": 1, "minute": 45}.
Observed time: {"hour": 6, "minute": 8}
